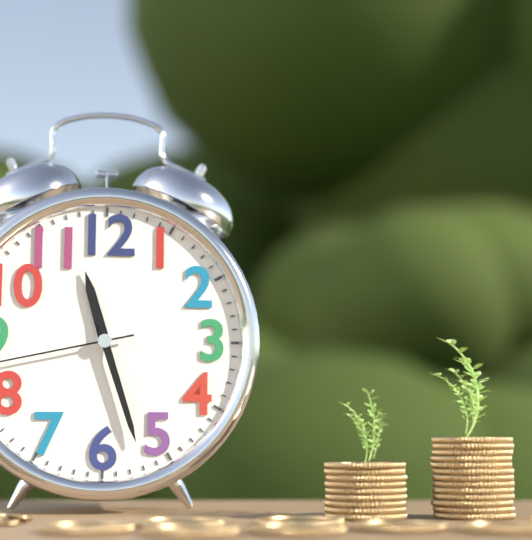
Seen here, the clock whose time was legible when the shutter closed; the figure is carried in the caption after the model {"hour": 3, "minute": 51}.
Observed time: {"hour": 11, "minute": 27}
